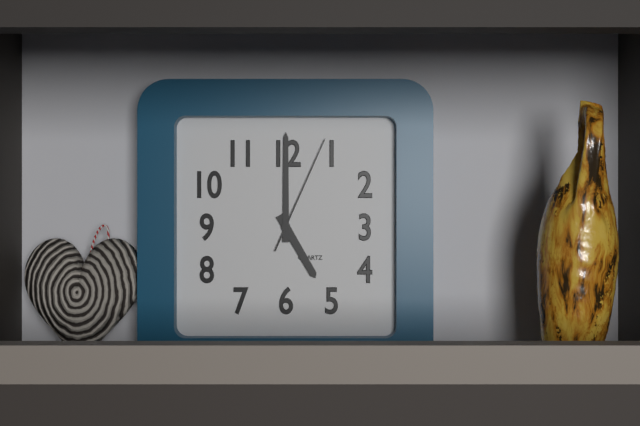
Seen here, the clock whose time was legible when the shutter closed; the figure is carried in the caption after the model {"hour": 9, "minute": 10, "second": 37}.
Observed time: {"hour": 5, "minute": 0, "second": 4}
